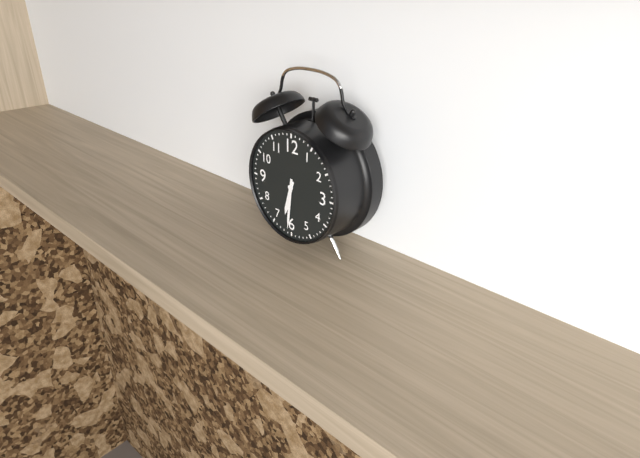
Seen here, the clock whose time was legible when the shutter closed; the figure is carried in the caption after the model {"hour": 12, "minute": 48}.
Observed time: {"hour": 6, "minute": 31}
